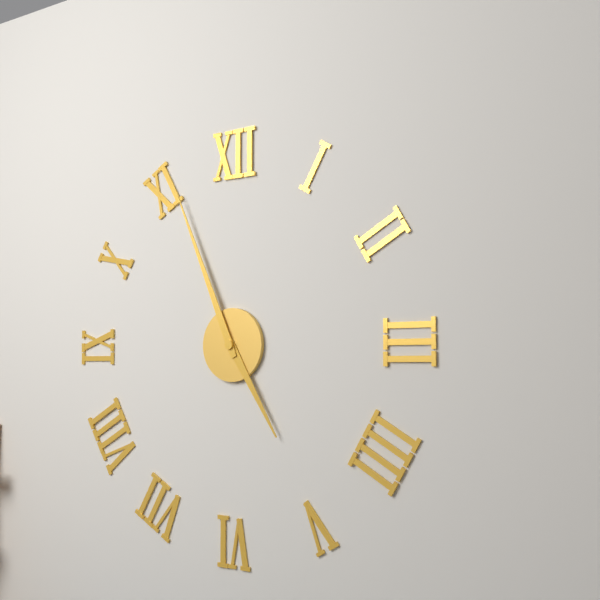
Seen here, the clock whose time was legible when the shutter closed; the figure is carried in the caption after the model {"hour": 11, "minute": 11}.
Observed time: {"hour": 4, "minute": 56}
